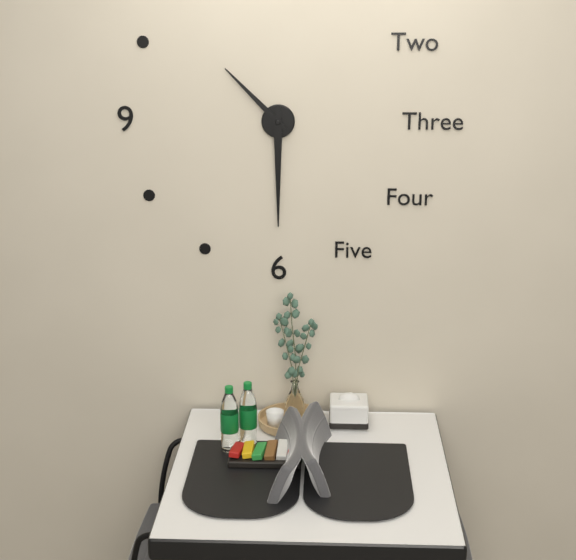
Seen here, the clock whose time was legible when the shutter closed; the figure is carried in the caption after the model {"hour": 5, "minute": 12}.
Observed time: {"hour": 10, "minute": 30}
